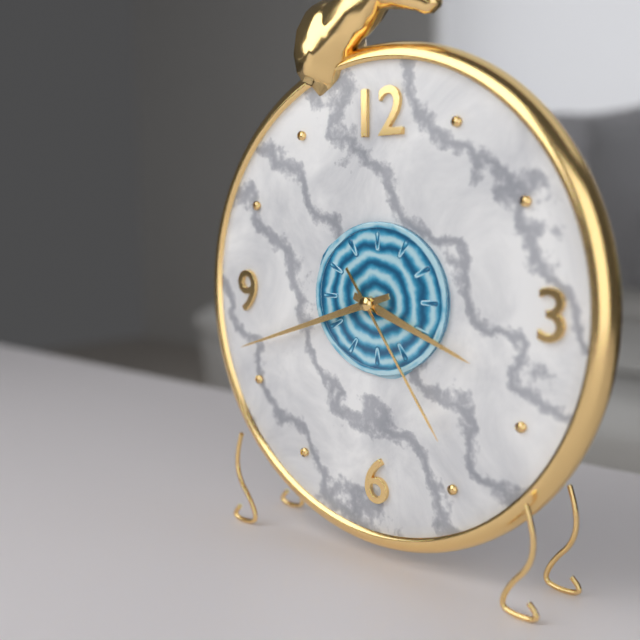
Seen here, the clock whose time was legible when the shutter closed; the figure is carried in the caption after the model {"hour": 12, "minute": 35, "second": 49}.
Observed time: {"hour": 3, "minute": 42, "second": 24}
